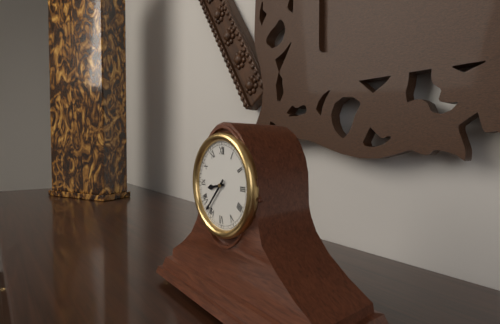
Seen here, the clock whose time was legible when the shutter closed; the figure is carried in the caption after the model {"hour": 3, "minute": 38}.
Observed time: {"hour": 8, "minute": 37}
